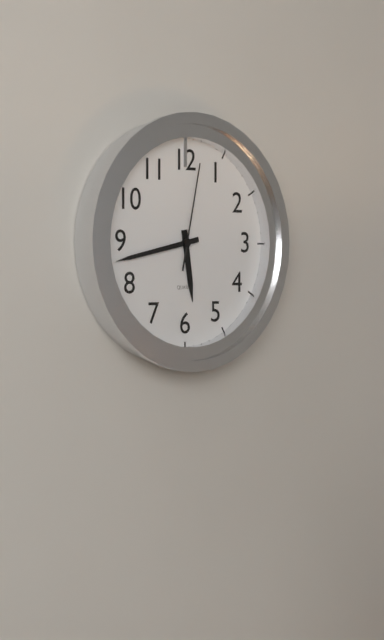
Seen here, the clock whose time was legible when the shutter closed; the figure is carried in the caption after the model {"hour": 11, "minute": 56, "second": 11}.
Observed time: {"hour": 5, "minute": 43, "second": 2}
